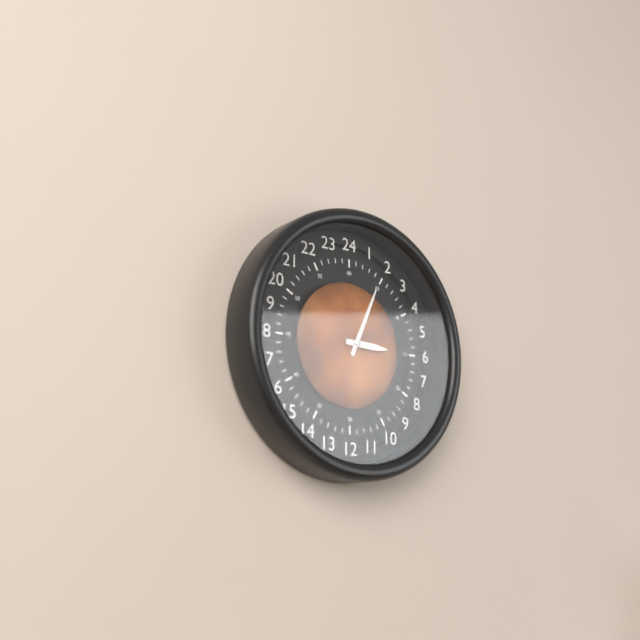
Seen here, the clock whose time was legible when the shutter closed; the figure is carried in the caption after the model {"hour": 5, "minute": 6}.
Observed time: {"hour": 3, "minute": 4}
